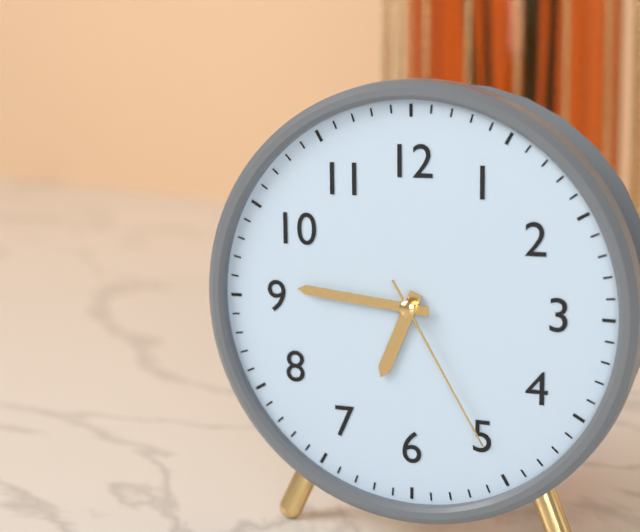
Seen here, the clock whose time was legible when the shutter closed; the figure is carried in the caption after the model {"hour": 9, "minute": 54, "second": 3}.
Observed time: {"hour": 6, "minute": 46, "second": 25}
